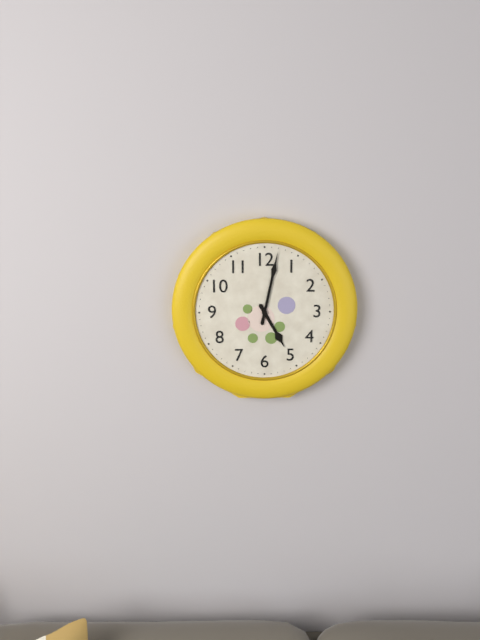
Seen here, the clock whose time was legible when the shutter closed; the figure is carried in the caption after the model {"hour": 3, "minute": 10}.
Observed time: {"hour": 5, "minute": 2}
